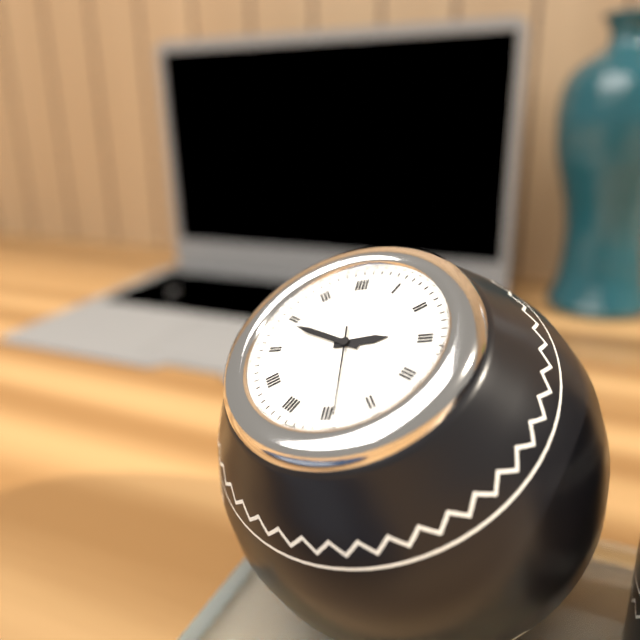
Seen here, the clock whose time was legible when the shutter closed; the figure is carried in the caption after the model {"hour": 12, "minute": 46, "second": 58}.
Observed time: {"hour": 2, "minute": 49, "second": 29}
